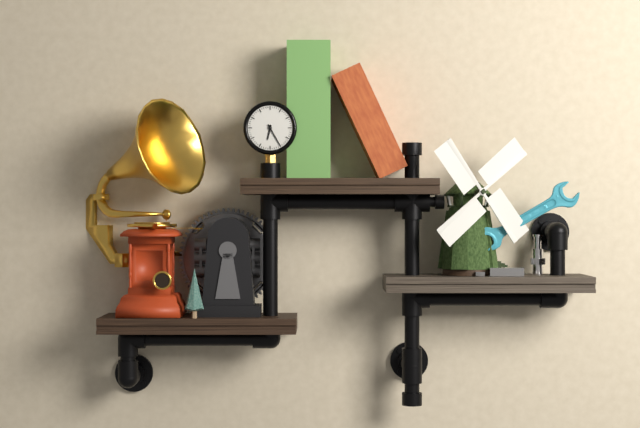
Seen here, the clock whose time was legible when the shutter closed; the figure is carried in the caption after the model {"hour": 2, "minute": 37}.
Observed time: {"hour": 6, "minute": 25}
